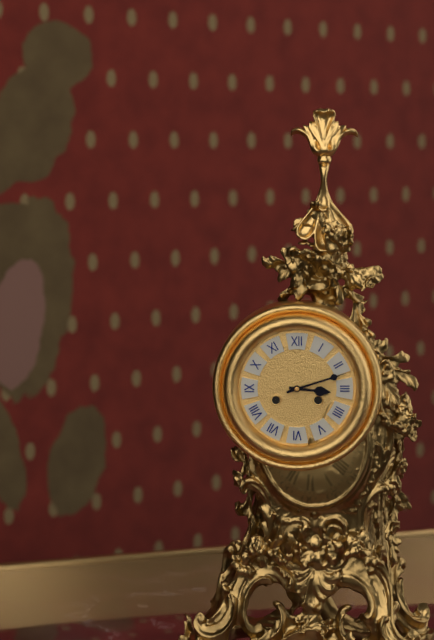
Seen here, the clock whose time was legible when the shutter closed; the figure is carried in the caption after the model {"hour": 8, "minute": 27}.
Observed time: {"hour": 3, "minute": 12}
